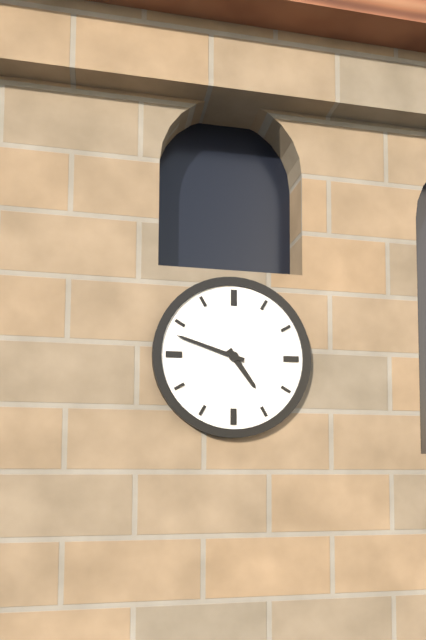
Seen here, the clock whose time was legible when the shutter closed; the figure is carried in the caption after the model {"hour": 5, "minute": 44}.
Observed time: {"hour": 4, "minute": 48}
